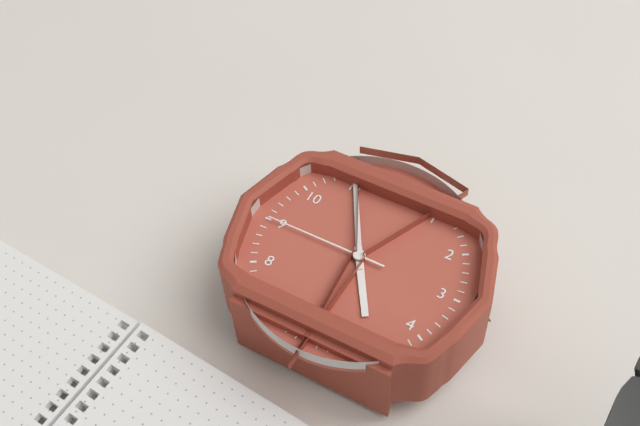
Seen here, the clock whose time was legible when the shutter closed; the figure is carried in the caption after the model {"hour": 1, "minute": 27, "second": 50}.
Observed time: {"hour": 4, "minute": 55, "second": 45}
